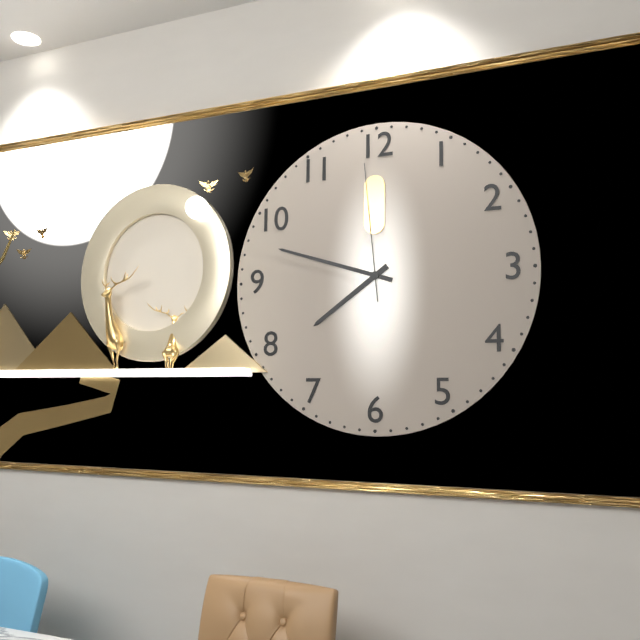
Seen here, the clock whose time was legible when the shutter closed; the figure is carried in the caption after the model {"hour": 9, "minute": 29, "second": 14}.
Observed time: {"hour": 7, "minute": 48, "second": 59}
